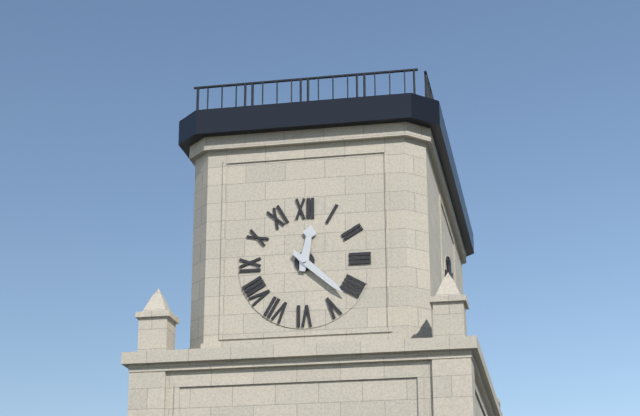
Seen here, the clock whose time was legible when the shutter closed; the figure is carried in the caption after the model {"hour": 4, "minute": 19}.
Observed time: {"hour": 12, "minute": 22}
